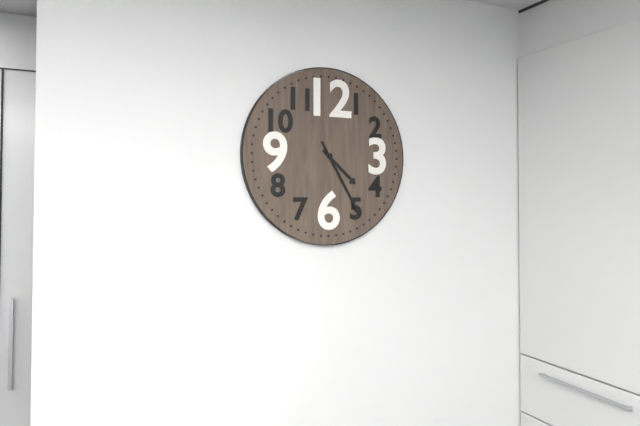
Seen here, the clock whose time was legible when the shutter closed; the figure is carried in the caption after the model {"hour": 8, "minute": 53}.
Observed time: {"hour": 4, "minute": 25}
